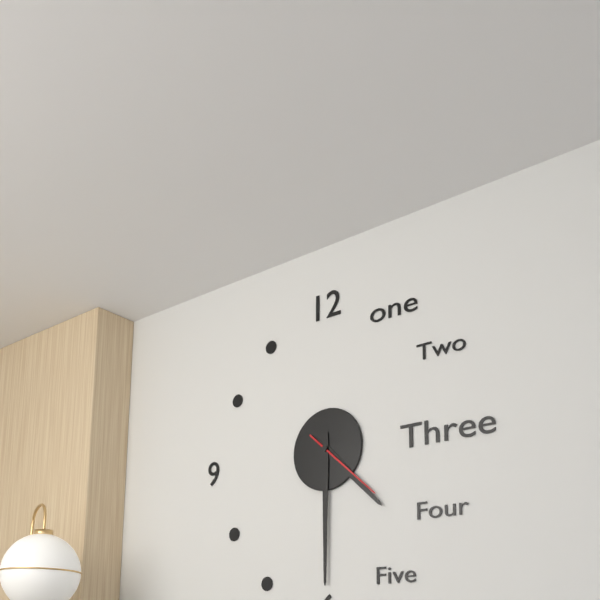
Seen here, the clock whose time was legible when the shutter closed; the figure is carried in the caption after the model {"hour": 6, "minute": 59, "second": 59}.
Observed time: {"hour": 4, "minute": 30, "second": 22}
